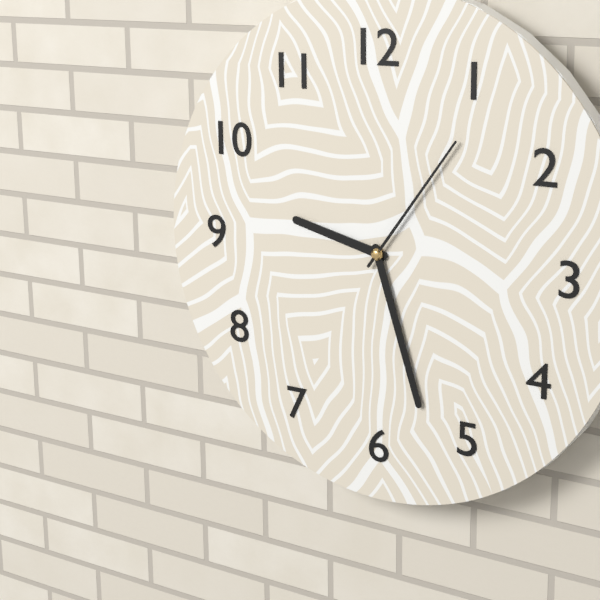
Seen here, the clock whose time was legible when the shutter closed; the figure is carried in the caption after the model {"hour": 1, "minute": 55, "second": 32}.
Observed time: {"hour": 9, "minute": 27, "second": 6}
